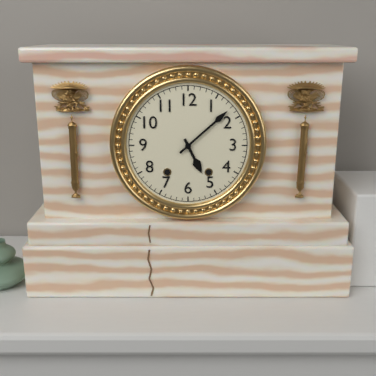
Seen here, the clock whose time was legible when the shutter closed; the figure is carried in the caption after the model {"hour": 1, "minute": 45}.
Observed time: {"hour": 5, "minute": 8}
